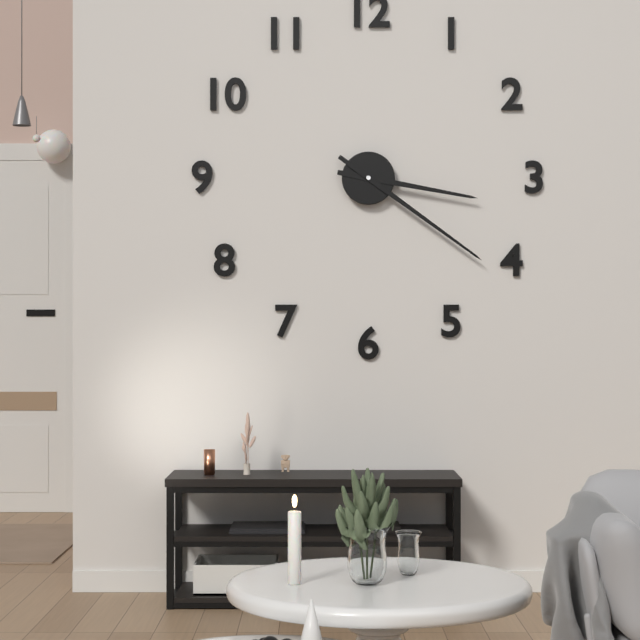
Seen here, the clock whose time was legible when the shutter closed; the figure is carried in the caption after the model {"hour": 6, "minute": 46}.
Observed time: {"hour": 3, "minute": 21}
